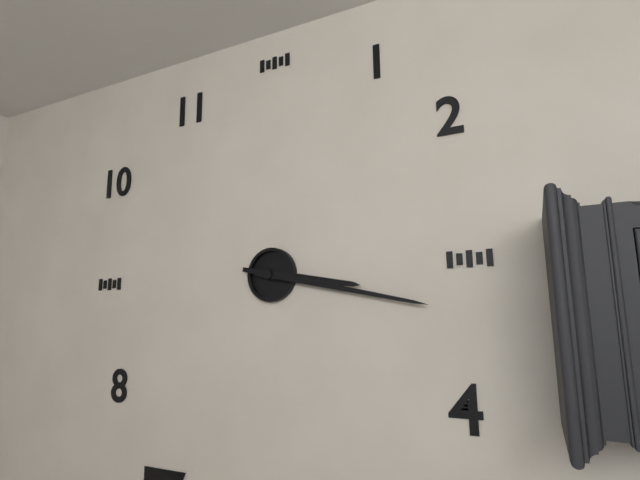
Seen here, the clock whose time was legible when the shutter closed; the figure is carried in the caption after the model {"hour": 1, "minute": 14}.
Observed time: {"hour": 3, "minute": 17}
